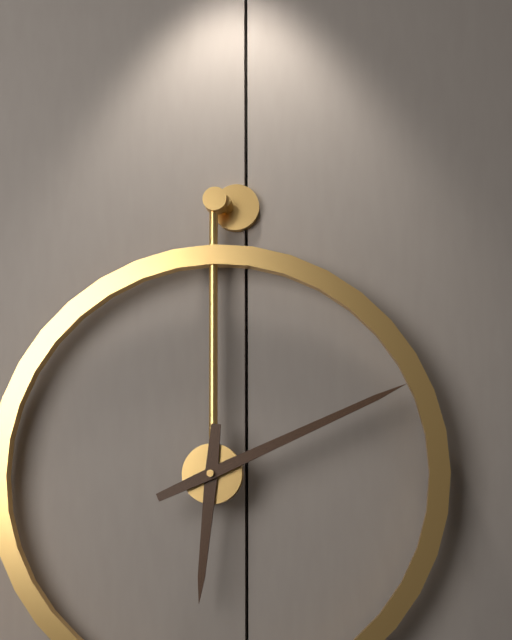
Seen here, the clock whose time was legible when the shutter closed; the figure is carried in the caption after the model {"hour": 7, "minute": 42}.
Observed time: {"hour": 6, "minute": 11}
